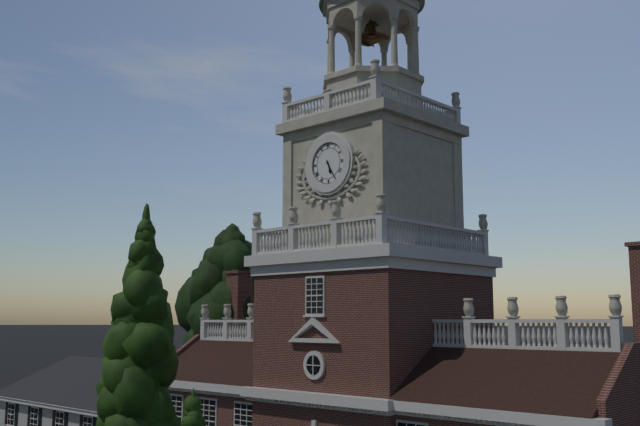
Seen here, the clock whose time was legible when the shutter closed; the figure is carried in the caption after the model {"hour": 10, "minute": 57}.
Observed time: {"hour": 5, "minute": 25}
